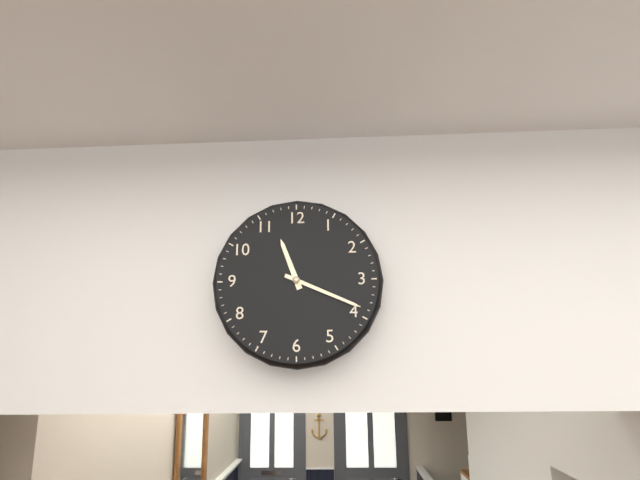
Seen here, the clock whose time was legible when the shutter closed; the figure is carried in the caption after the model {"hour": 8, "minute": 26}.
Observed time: {"hour": 11, "minute": 19}
